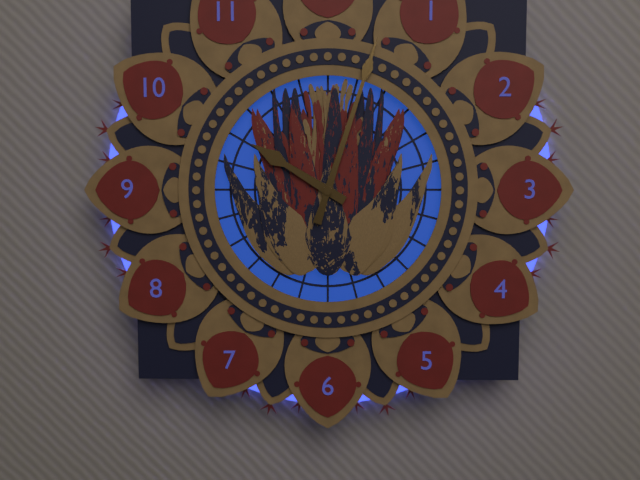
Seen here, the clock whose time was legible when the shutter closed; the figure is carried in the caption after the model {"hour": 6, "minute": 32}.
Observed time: {"hour": 10, "minute": 3}
